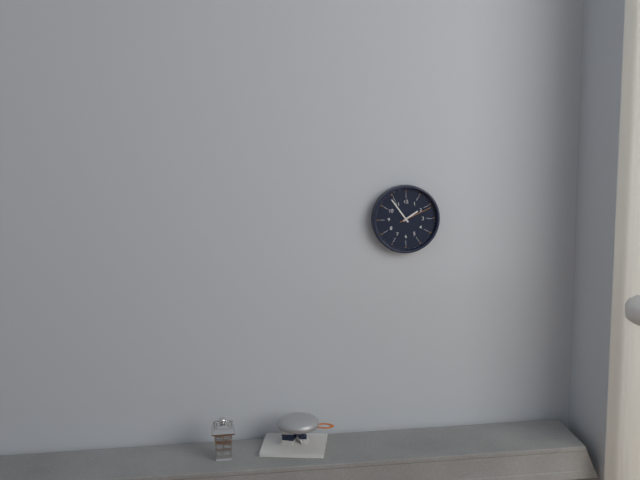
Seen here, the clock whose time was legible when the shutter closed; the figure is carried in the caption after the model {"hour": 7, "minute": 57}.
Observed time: {"hour": 1, "minute": 54}
